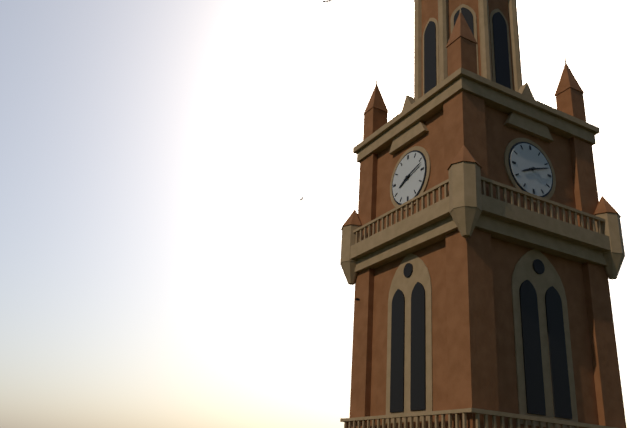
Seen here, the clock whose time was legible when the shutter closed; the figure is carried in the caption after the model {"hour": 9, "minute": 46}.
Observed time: {"hour": 8, "minute": 12}
